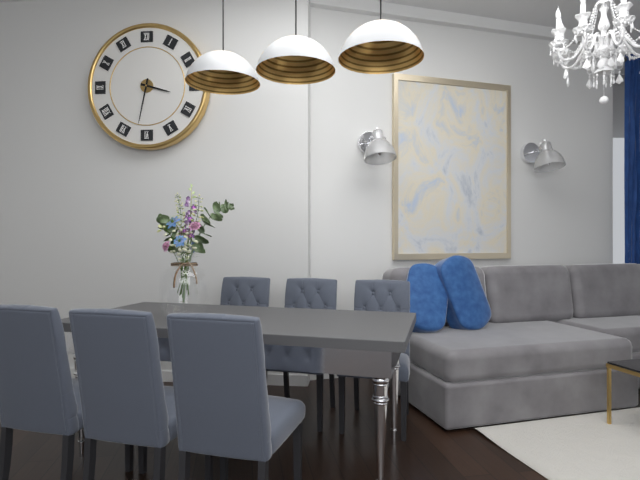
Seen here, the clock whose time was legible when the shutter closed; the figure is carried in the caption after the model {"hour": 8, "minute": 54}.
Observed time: {"hour": 3, "minute": 32}
